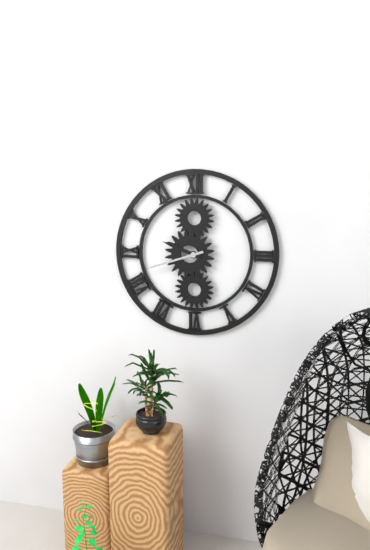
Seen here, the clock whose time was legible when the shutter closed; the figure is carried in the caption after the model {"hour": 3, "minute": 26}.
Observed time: {"hour": 9, "minute": 42}
